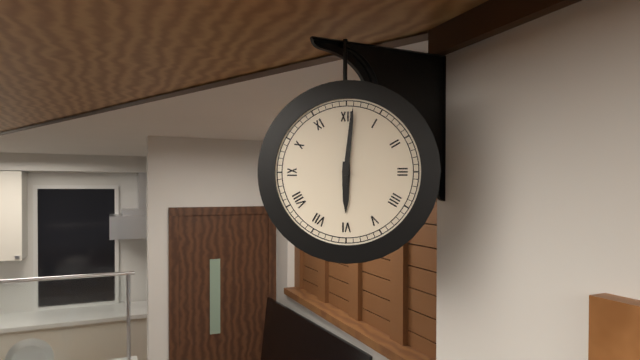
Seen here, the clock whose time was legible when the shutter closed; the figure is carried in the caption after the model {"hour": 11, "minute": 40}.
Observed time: {"hour": 6, "minute": 1}
